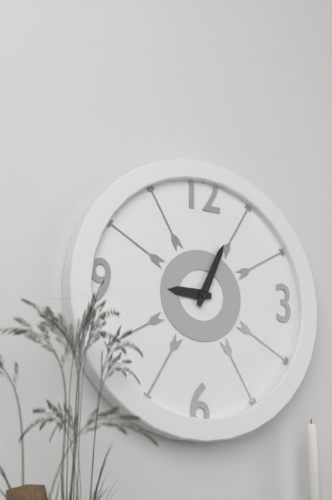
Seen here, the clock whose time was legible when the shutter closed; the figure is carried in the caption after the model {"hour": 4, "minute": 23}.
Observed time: {"hour": 9, "minute": 4}
